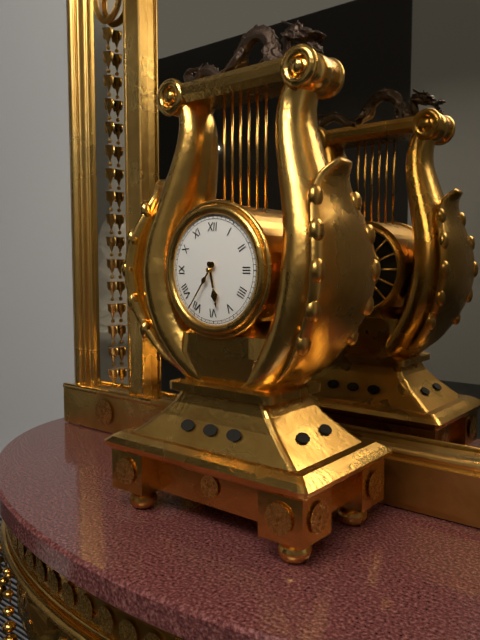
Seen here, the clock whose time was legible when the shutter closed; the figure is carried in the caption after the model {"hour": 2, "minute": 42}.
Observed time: {"hour": 5, "minute": 36}
